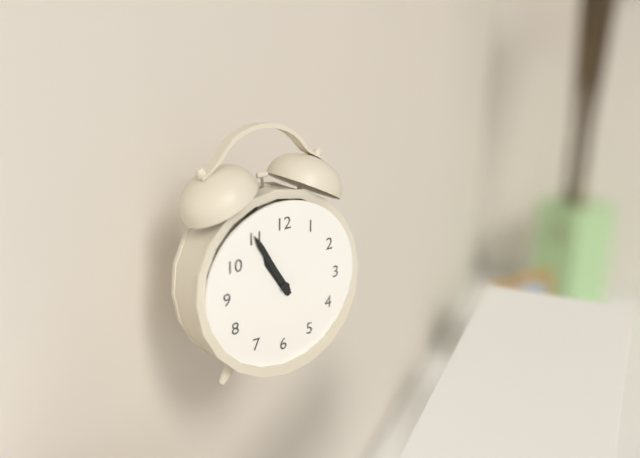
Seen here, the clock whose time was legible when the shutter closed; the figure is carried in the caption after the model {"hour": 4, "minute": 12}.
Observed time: {"hour": 10, "minute": 55}
